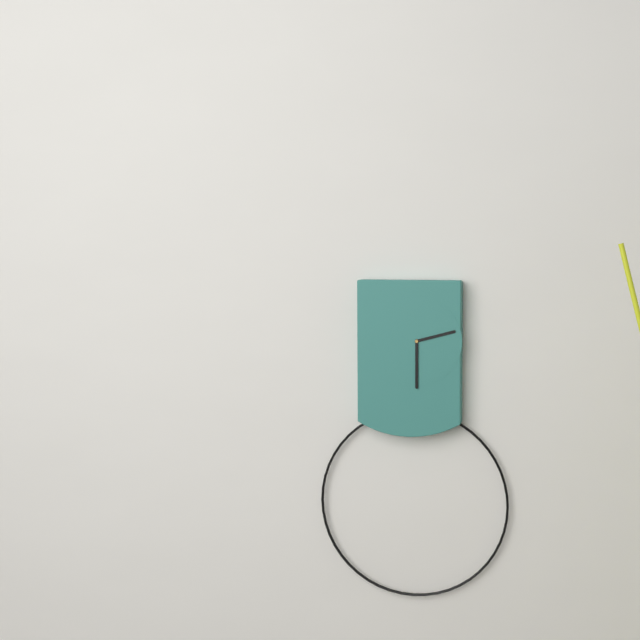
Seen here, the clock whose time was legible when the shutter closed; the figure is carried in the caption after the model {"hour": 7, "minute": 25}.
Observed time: {"hour": 2, "minute": 30}
